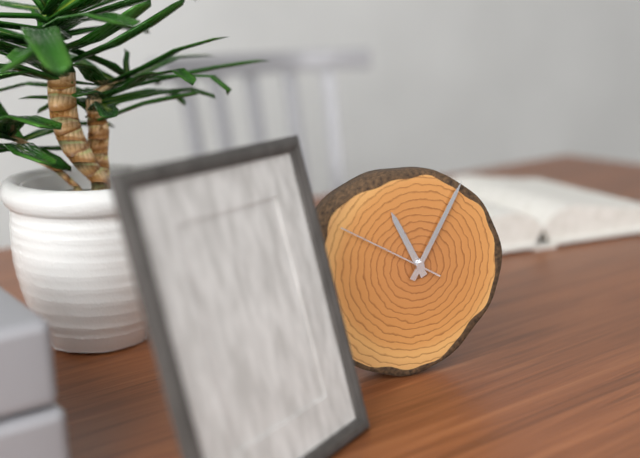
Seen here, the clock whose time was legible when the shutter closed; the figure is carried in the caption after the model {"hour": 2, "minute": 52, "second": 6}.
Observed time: {"hour": 11, "minute": 5, "second": 50}
